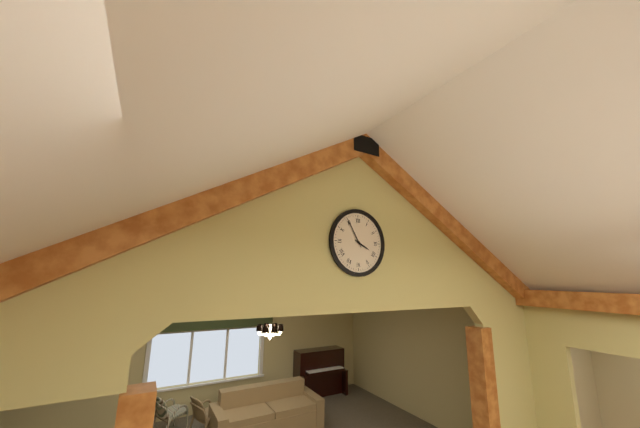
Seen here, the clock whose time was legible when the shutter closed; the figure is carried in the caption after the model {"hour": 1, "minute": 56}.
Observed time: {"hour": 3, "minute": 55}
